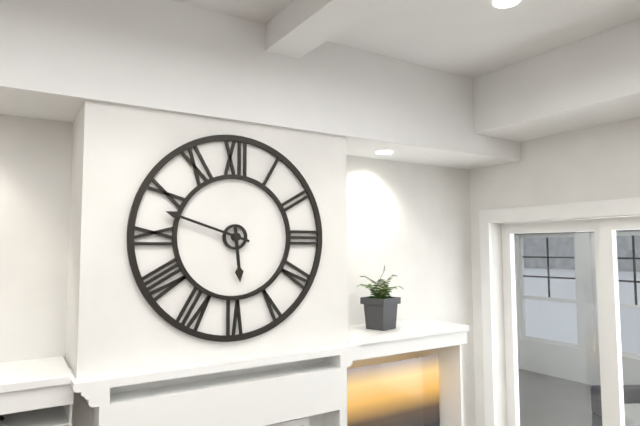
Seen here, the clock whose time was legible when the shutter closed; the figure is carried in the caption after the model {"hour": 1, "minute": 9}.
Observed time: {"hour": 5, "minute": 48}
